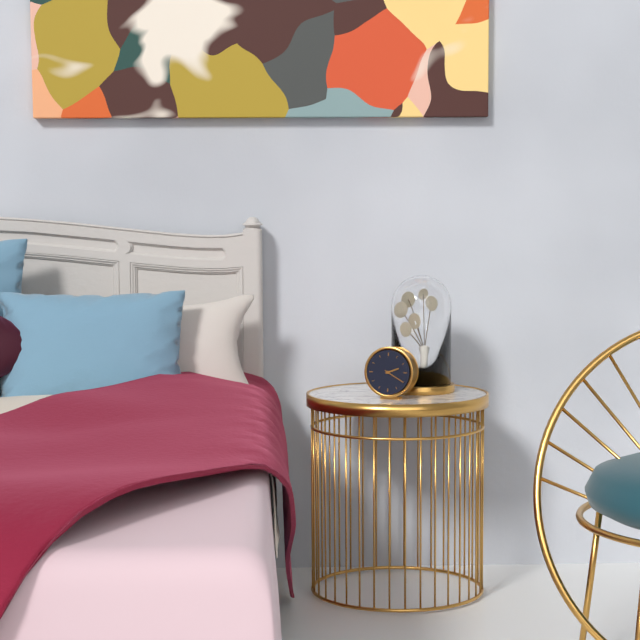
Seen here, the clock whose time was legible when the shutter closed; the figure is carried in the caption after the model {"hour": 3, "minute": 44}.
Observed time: {"hour": 2, "minute": 20}
